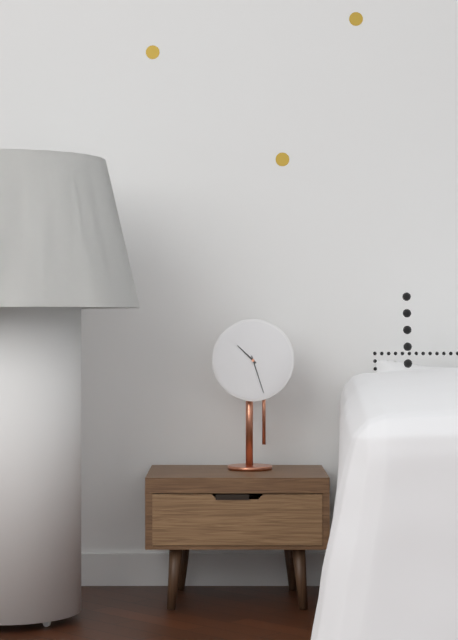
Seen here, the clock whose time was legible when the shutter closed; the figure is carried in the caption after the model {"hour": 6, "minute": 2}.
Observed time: {"hour": 10, "minute": 27}
